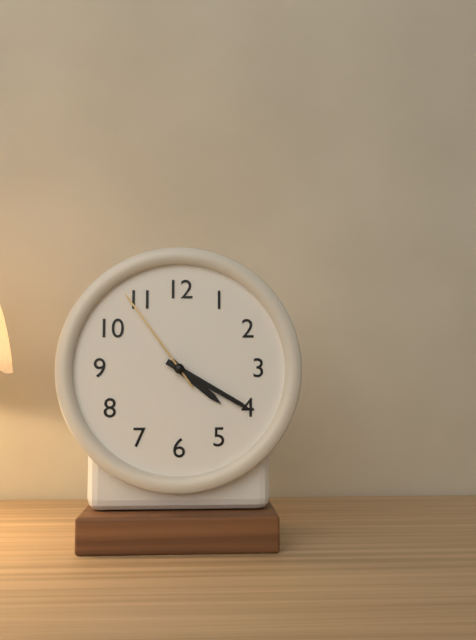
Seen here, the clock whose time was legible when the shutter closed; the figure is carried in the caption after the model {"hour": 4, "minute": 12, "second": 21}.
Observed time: {"hour": 4, "minute": 20, "second": 54}
